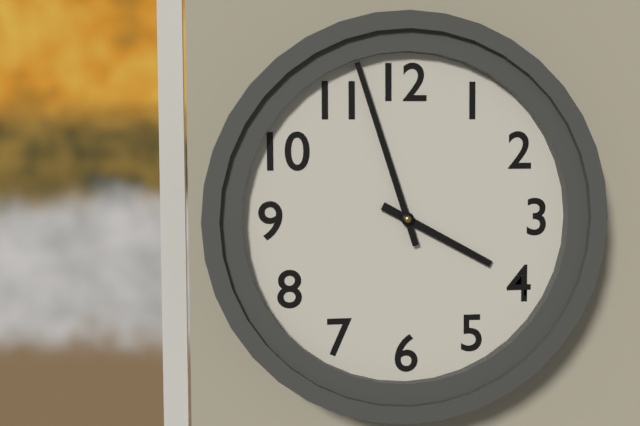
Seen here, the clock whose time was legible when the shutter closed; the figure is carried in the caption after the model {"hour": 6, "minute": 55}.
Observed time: {"hour": 3, "minute": 57}
